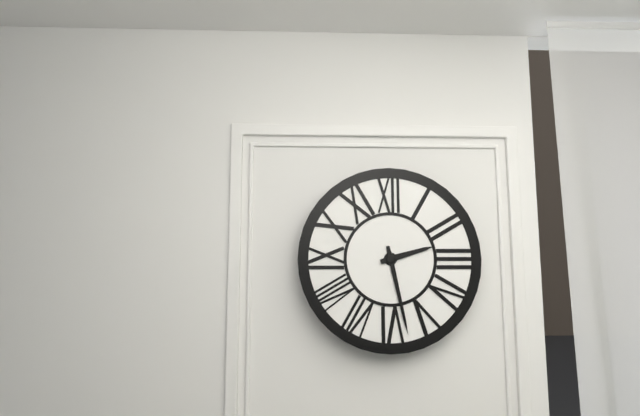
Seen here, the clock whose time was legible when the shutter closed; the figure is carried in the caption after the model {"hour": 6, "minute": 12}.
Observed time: {"hour": 2, "minute": 28}
